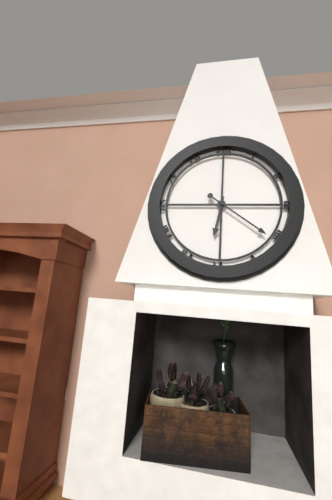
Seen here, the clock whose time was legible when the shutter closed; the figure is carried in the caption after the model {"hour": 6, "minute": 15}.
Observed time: {"hour": 6, "minute": 21}
